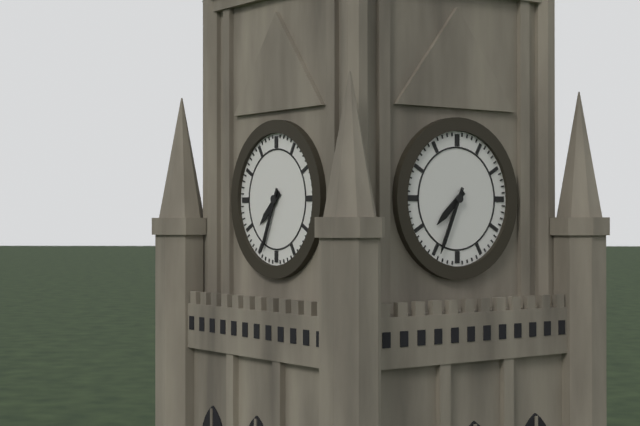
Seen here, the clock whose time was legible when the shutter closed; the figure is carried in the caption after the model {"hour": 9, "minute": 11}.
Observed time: {"hour": 7, "minute": 34}
